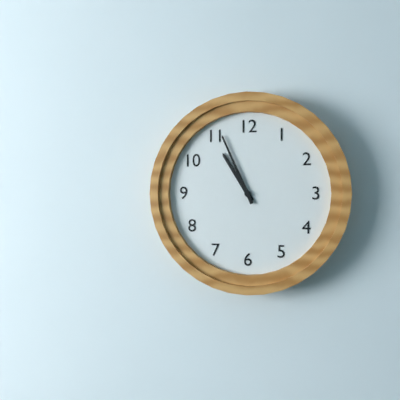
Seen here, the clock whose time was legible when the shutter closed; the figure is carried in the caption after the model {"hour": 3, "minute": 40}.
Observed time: {"hour": 10, "minute": 56}
